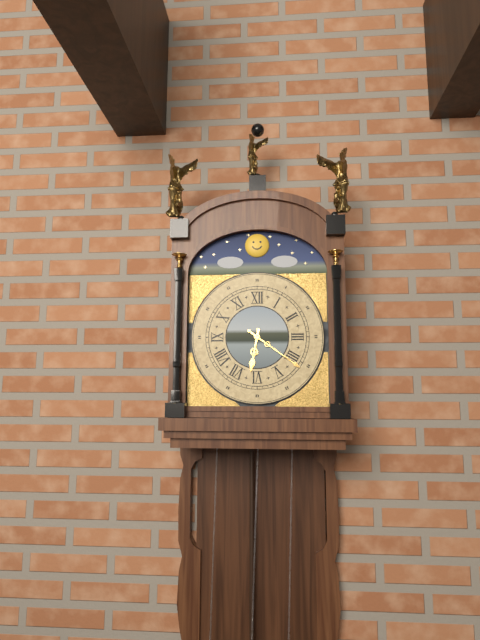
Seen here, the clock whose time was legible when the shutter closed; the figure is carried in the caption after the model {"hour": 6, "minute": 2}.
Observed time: {"hour": 6, "minute": 21}
